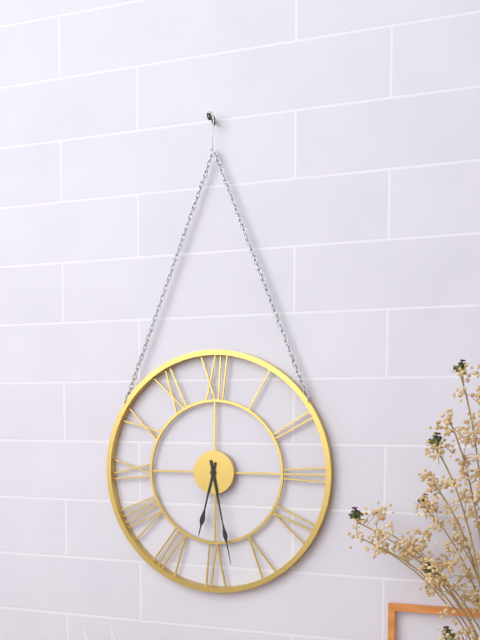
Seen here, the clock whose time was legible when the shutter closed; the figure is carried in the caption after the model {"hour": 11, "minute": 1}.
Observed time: {"hour": 6, "minute": 28}
